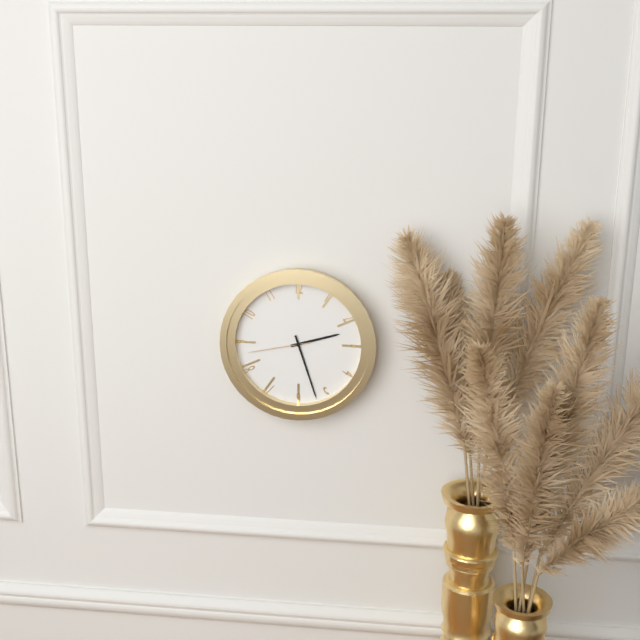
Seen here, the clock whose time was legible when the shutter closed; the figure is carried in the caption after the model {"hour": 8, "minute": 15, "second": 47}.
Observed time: {"hour": 2, "minute": 27, "second": 43}
